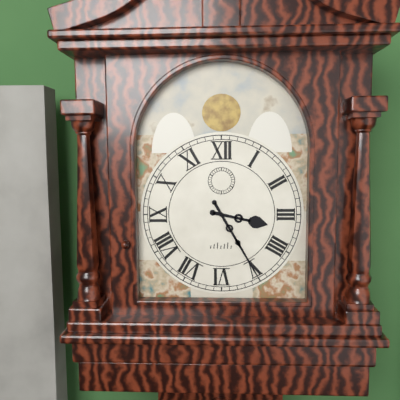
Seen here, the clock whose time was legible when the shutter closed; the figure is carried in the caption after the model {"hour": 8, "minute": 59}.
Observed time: {"hour": 3, "minute": 25}
